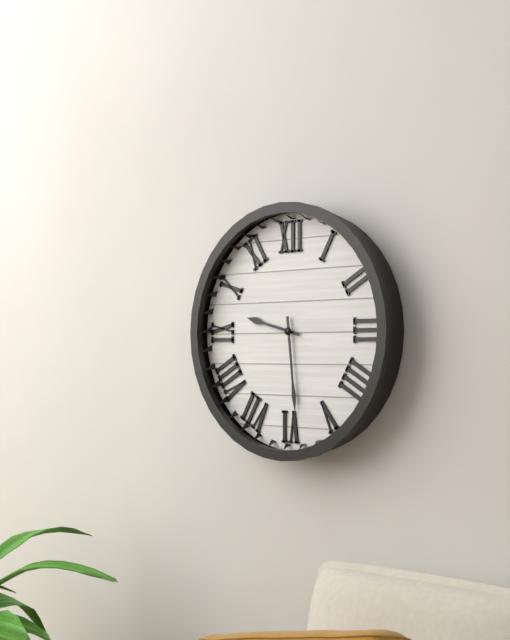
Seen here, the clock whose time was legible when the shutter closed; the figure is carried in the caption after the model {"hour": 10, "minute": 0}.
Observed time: {"hour": 9, "minute": 29}
